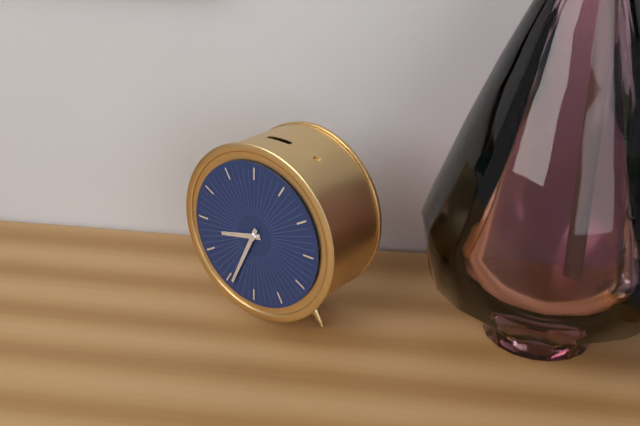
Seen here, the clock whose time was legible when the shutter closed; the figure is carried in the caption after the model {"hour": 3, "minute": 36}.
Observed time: {"hour": 8, "minute": 34}
